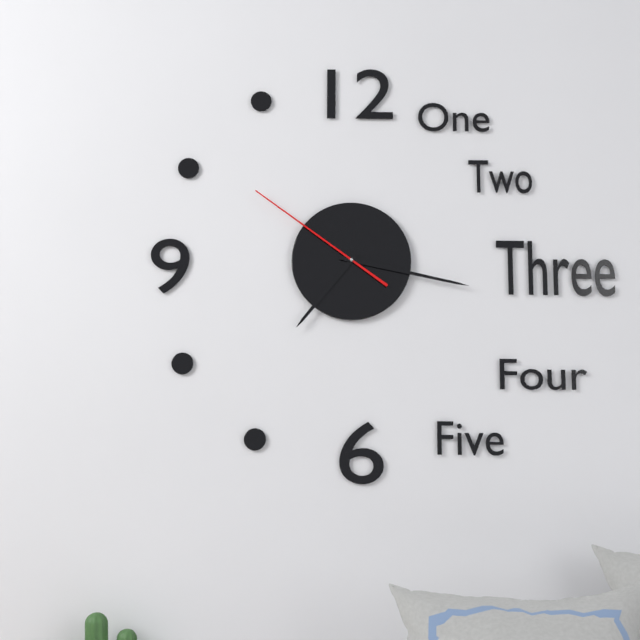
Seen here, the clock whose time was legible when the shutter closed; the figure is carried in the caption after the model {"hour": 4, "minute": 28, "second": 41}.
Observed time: {"hour": 7, "minute": 17, "second": 51}
